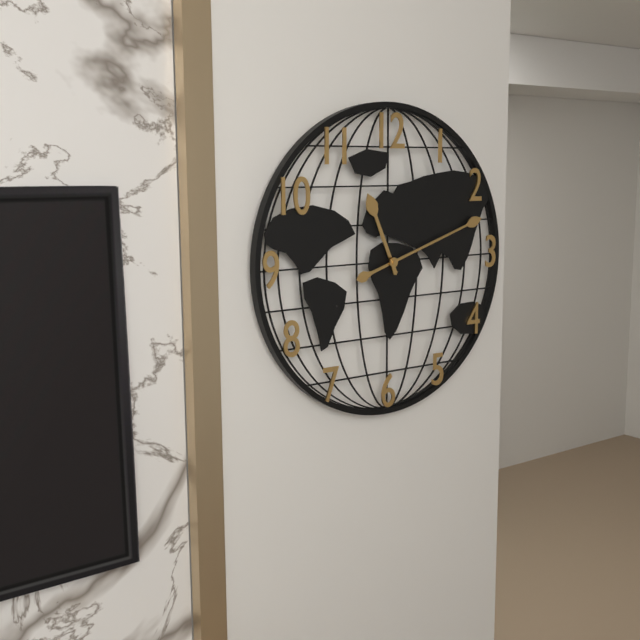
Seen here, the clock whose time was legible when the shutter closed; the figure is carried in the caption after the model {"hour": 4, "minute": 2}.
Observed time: {"hour": 11, "minute": 12}
